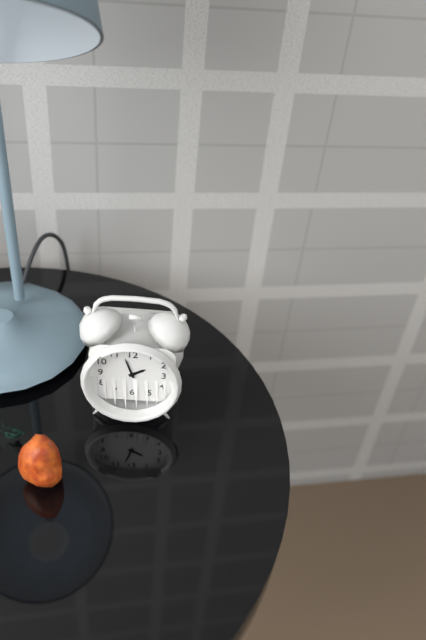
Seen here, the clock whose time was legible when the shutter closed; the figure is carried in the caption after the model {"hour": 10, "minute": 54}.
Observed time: {"hour": 1, "minute": 57}
